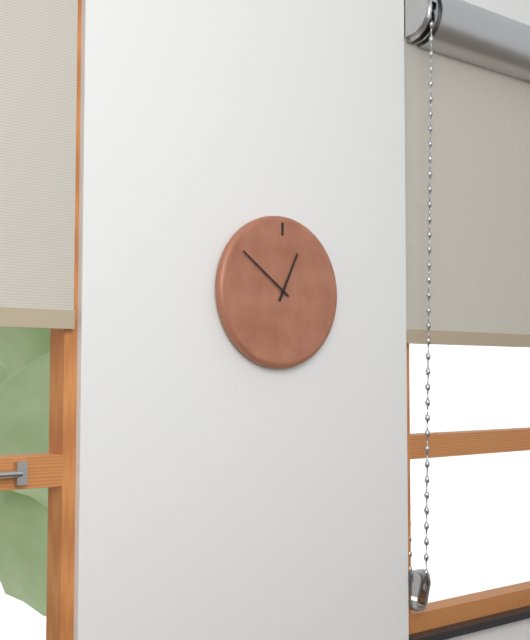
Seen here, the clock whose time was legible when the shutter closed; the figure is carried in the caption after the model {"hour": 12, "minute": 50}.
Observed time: {"hour": 12, "minute": 51}
